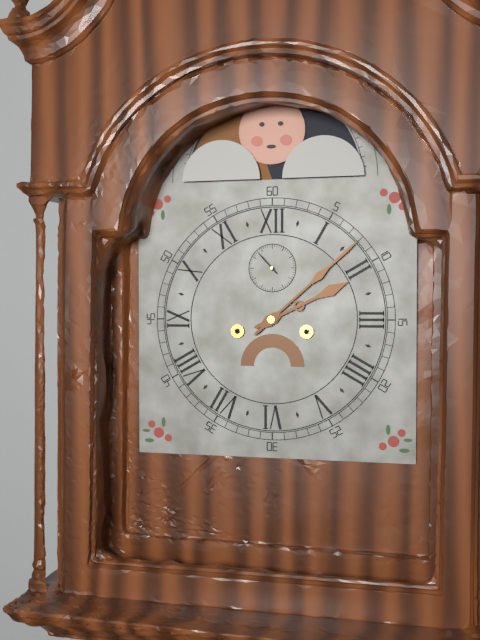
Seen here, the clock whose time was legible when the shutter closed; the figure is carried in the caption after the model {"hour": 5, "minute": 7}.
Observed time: {"hour": 2, "minute": 8}
